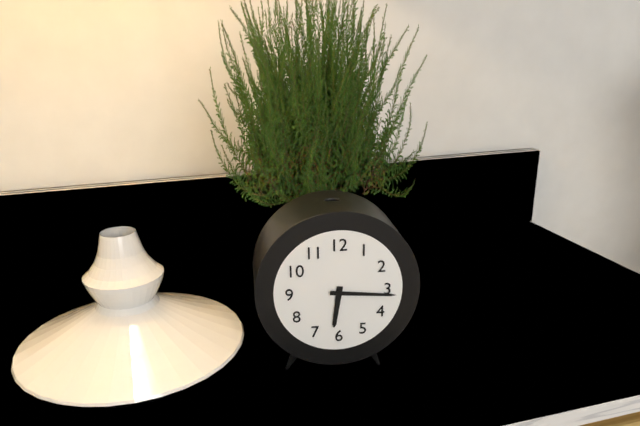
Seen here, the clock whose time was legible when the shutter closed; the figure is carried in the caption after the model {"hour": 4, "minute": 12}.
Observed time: {"hour": 6, "minute": 16}
